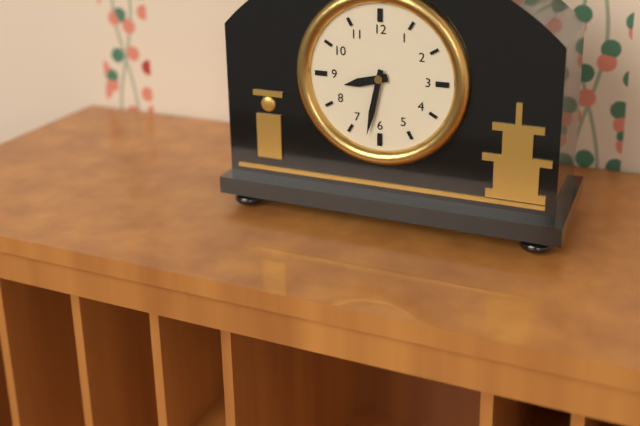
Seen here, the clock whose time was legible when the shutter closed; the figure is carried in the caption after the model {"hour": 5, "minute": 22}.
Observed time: {"hour": 8, "minute": 32}
